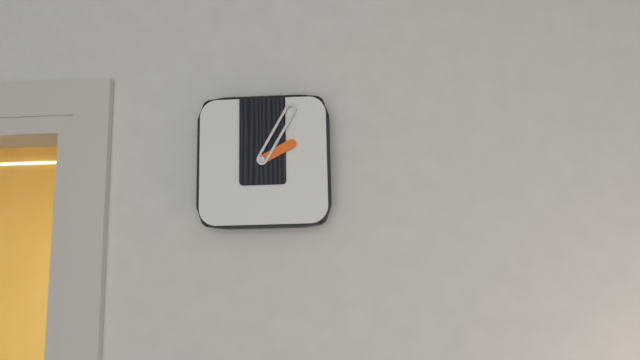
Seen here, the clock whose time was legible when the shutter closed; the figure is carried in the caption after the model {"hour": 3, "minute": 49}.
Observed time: {"hour": 2, "minute": 5}
